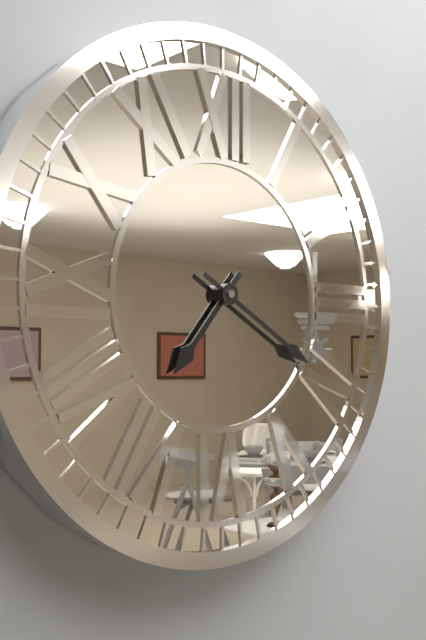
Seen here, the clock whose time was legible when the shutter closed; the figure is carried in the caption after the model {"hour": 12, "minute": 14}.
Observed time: {"hour": 7, "minute": 20}
